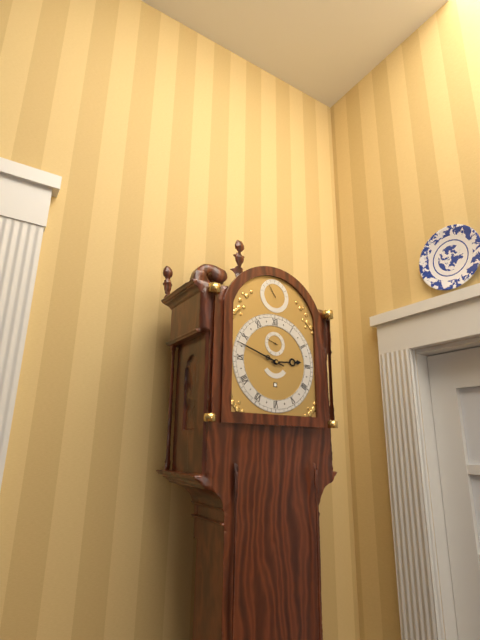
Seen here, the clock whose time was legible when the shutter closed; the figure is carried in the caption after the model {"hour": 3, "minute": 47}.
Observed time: {"hour": 2, "minute": 48}
